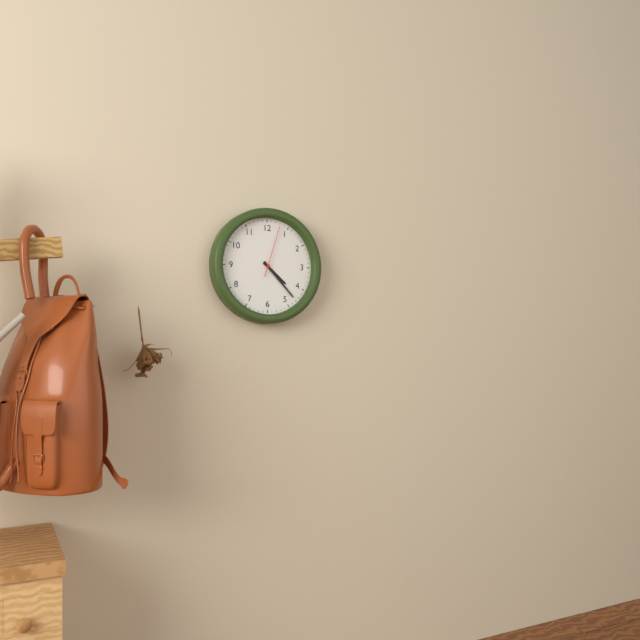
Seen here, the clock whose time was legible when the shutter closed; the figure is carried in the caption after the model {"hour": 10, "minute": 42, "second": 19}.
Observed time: {"hour": 4, "minute": 23, "second": 3}
